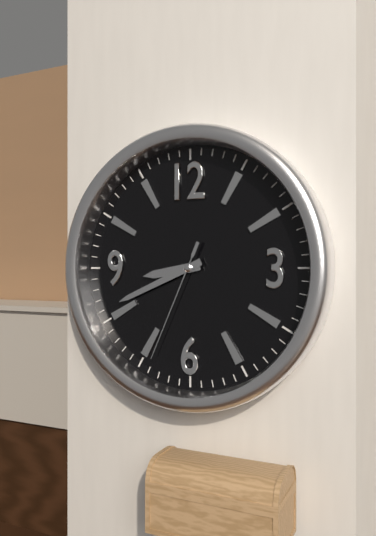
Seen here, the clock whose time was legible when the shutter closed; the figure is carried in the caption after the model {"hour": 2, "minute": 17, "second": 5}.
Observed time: {"hour": 8, "minute": 41, "second": 34}
